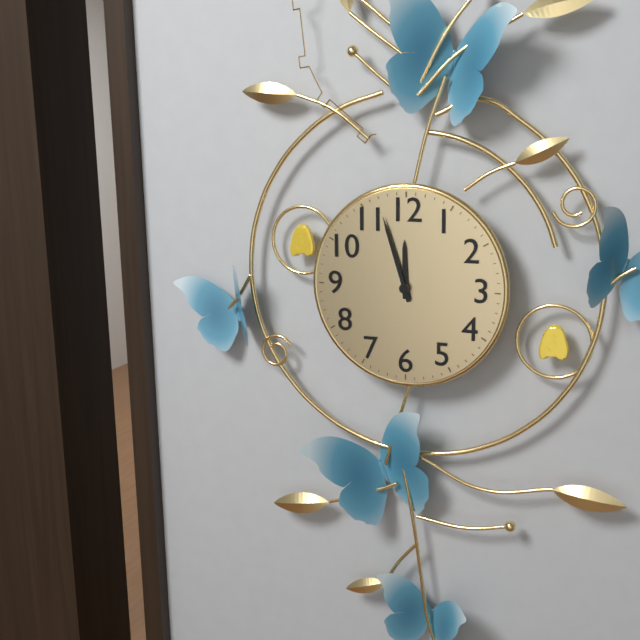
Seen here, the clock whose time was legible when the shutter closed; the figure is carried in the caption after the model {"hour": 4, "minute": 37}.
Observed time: {"hour": 11, "minute": 57}
